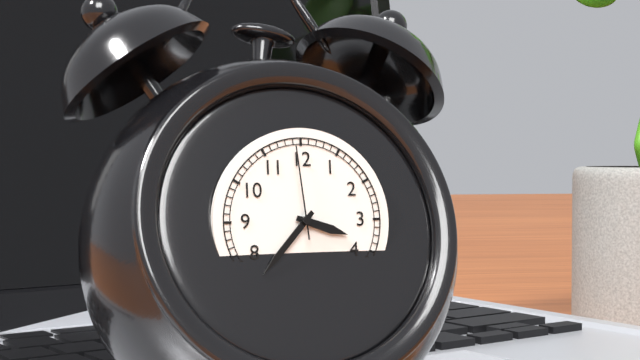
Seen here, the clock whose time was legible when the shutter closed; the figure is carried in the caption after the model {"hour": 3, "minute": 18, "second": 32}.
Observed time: {"hour": 3, "minute": 37, "second": 59}
